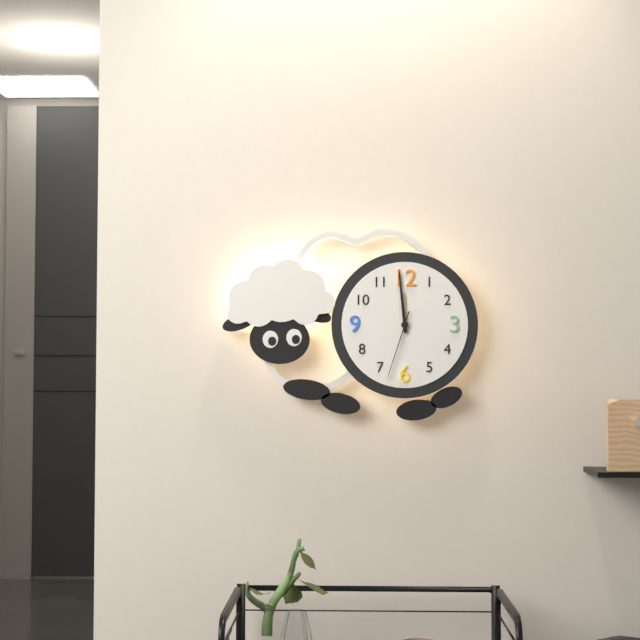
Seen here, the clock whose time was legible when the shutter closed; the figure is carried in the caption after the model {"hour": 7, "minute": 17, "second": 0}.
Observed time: {"hour": 11, "minute": 59, "second": 33}
